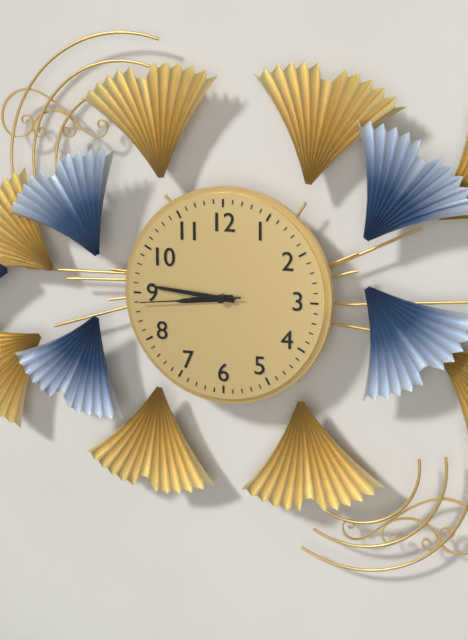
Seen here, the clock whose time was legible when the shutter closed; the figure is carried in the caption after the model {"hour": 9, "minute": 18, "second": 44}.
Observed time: {"hour": 8, "minute": 46, "second": 44}
